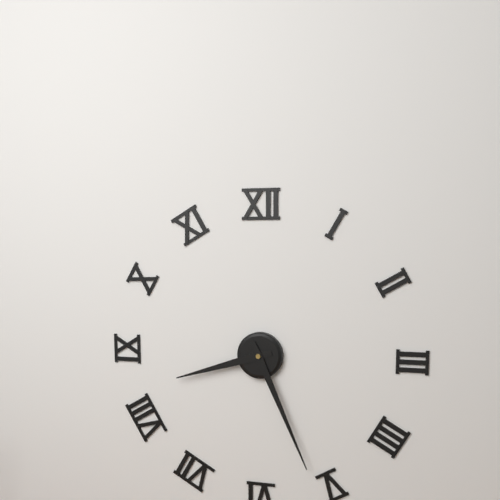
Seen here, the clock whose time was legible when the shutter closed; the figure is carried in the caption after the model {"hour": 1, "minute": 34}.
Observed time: {"hour": 8, "minute": 26}
